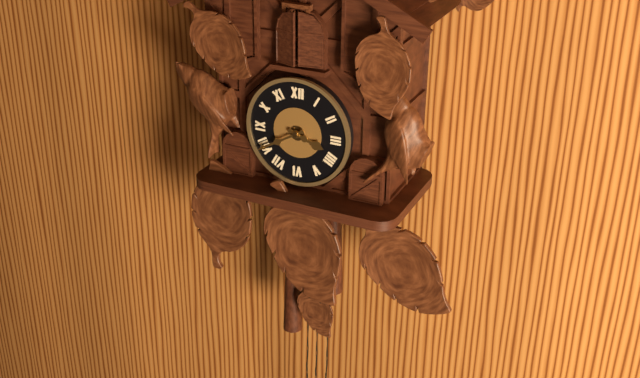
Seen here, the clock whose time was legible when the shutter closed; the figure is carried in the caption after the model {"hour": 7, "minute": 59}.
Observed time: {"hour": 3, "minute": 40}
